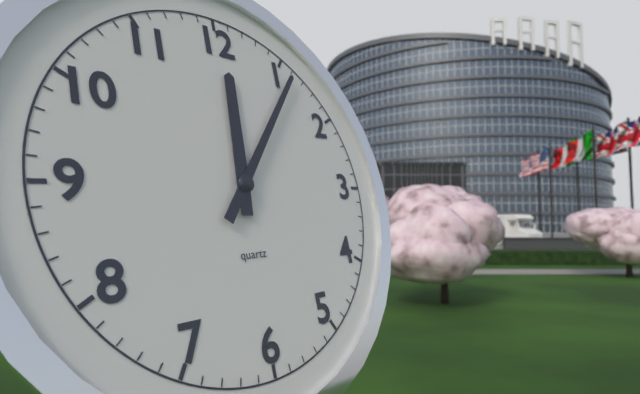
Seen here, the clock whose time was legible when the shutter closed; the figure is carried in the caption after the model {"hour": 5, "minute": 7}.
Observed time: {"hour": 12, "minute": 6}
